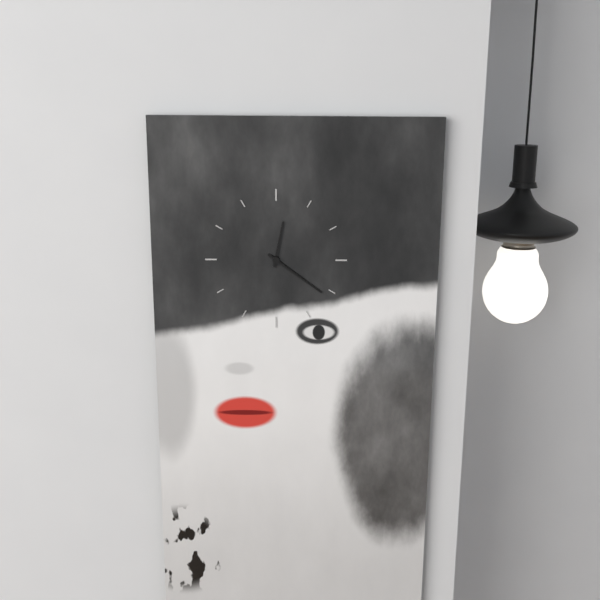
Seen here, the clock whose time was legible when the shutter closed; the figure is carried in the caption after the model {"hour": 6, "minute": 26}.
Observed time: {"hour": 12, "minute": 21}
